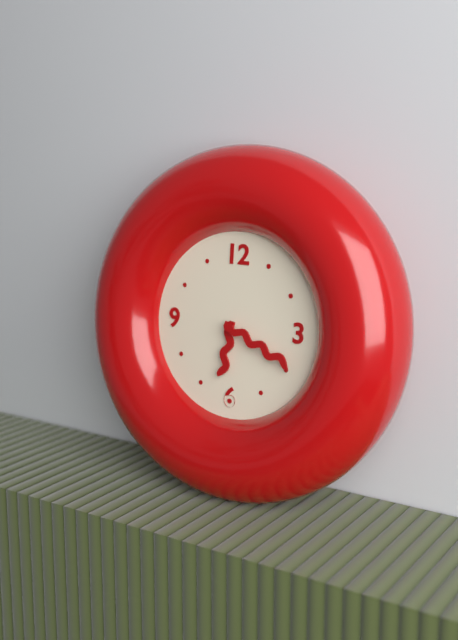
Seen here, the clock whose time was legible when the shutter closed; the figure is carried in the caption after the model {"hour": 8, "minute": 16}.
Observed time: {"hour": 6, "minute": 19}
